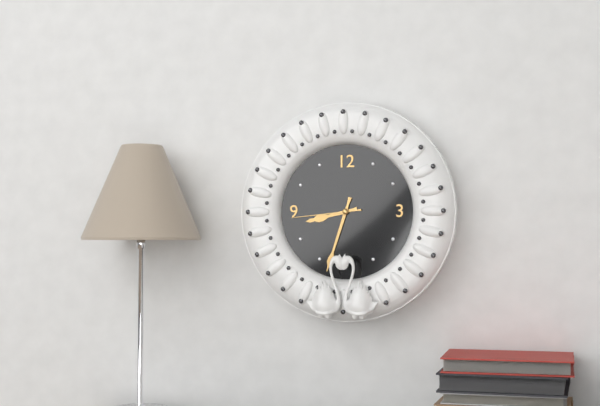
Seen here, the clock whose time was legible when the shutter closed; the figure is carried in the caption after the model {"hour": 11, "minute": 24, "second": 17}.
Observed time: {"hour": 8, "minute": 33, "second": 44}
